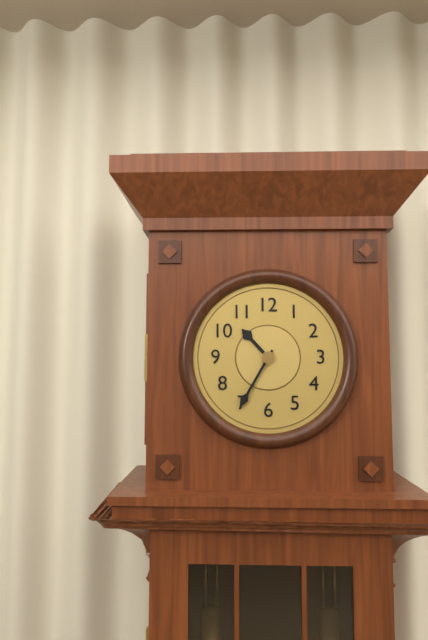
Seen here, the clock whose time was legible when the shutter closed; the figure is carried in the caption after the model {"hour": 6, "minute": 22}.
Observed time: {"hour": 10, "minute": 35}
